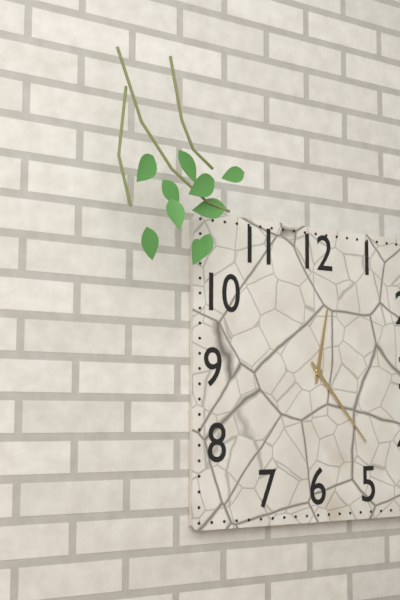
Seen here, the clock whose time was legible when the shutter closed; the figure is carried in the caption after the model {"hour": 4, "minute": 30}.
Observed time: {"hour": 12, "minute": 23}
